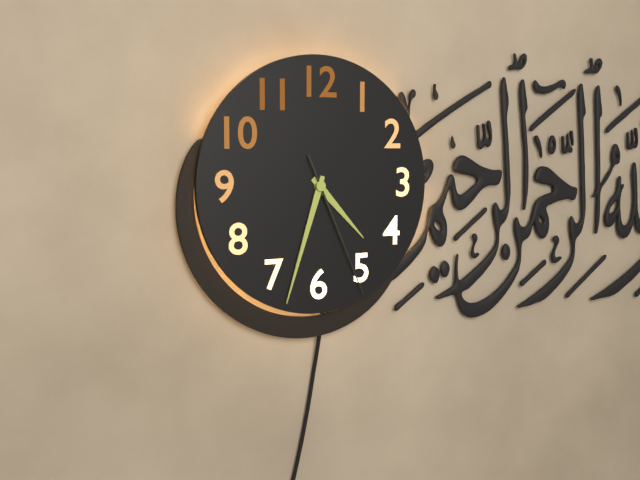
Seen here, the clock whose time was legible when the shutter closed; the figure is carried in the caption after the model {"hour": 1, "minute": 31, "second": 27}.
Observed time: {"hour": 4, "minute": 33, "second": 26}
